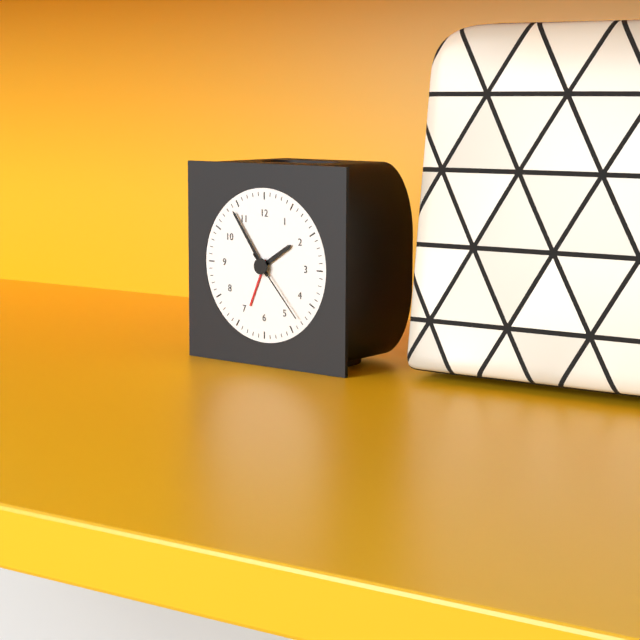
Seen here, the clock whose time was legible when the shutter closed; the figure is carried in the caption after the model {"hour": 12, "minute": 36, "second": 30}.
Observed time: {"hour": 1, "minute": 54, "second": 23}
